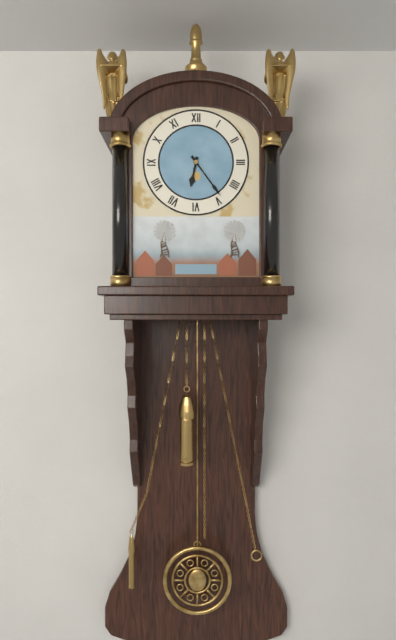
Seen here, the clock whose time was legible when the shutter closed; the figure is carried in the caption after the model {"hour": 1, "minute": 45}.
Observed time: {"hour": 6, "minute": 24}
